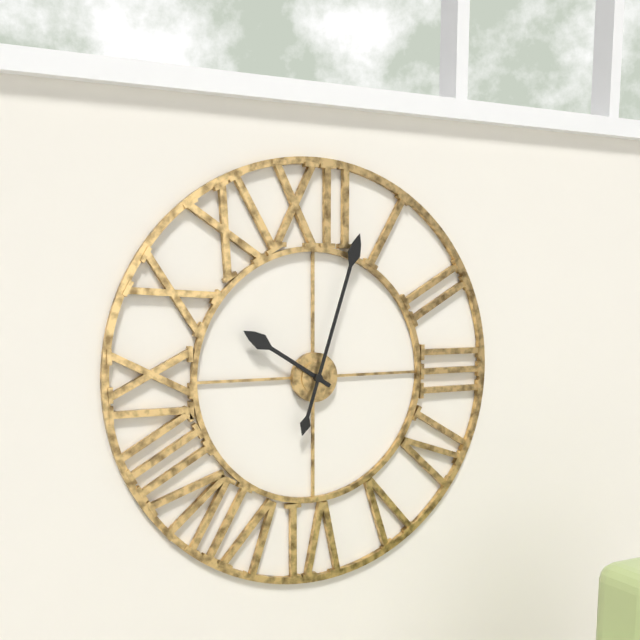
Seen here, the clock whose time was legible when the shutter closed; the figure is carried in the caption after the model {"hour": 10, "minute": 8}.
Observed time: {"hour": 10, "minute": 3}
